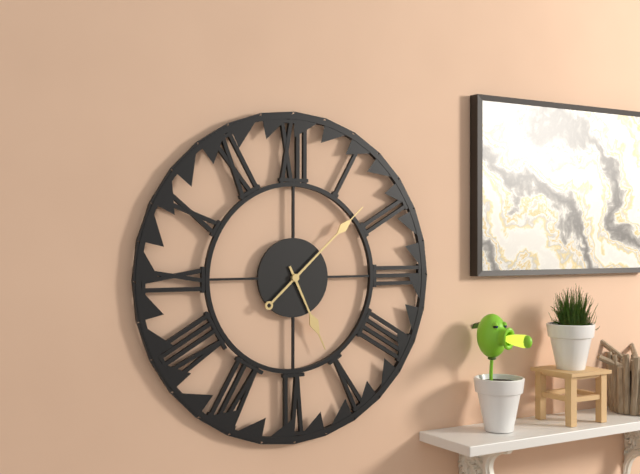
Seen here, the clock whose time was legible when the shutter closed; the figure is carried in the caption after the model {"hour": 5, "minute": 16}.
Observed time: {"hour": 5, "minute": 8}
